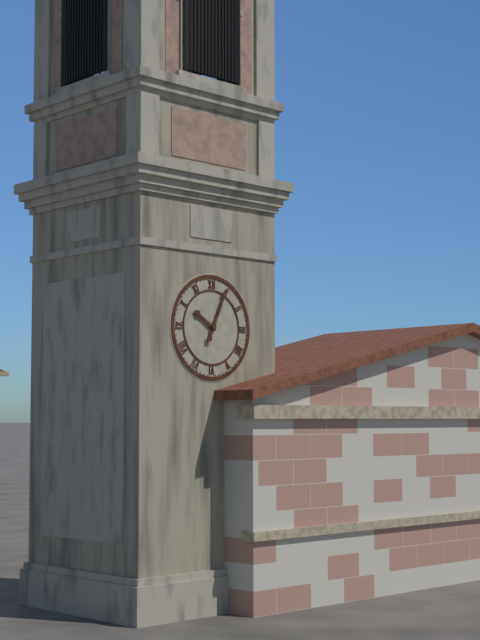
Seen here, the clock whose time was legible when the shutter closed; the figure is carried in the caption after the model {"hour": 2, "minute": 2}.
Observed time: {"hour": 10, "minute": 4}
